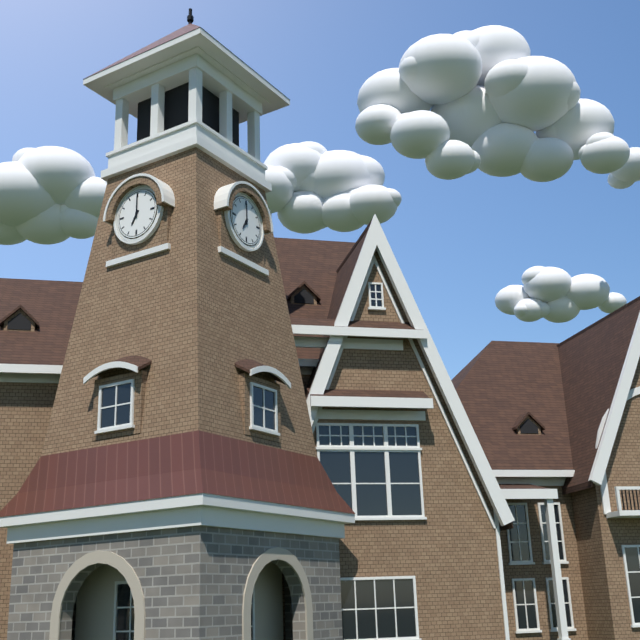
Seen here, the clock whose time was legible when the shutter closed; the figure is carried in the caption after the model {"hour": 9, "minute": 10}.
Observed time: {"hour": 7, "minute": 0}
